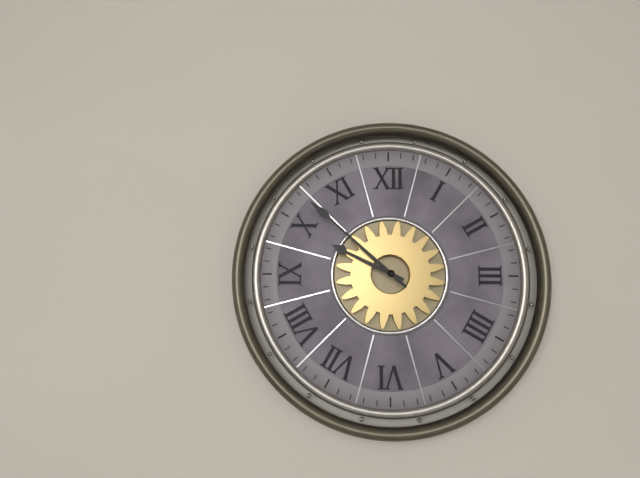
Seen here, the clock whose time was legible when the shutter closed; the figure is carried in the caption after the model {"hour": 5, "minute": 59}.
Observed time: {"hour": 9, "minute": 52}
